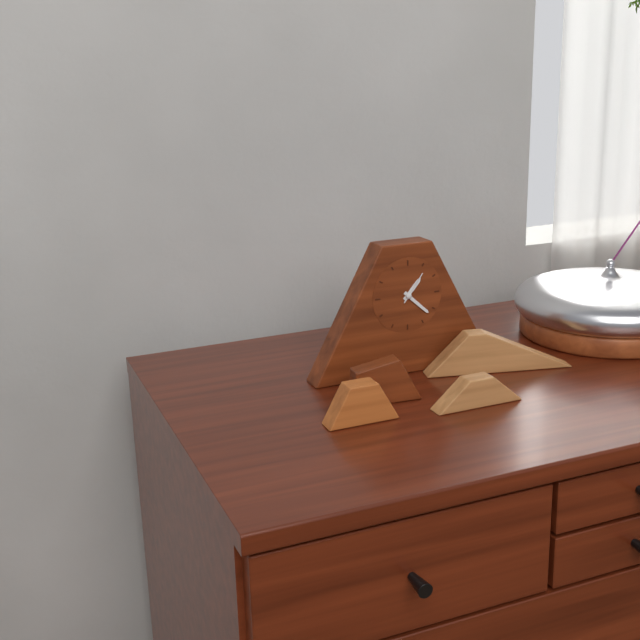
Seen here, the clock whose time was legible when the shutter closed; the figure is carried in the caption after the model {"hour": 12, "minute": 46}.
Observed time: {"hour": 1, "minute": 22}
